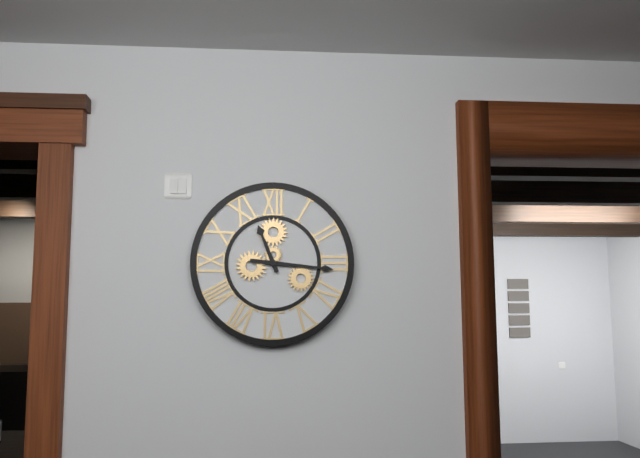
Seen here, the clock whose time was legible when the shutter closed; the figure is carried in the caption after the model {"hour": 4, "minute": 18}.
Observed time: {"hour": 11, "minute": 16}
